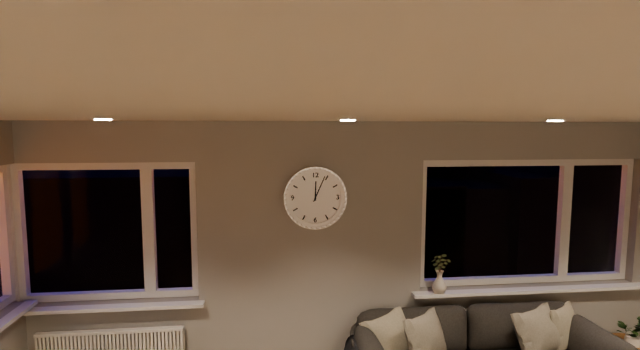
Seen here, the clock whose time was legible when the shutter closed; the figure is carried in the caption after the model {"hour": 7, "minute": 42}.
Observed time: {"hour": 12, "minute": 4}
